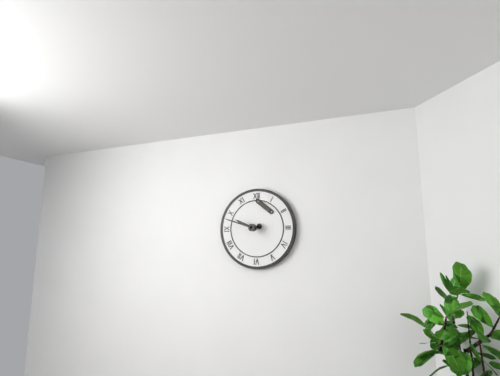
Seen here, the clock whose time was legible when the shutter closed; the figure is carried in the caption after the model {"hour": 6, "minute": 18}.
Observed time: {"hour": 9, "minute": 48}
